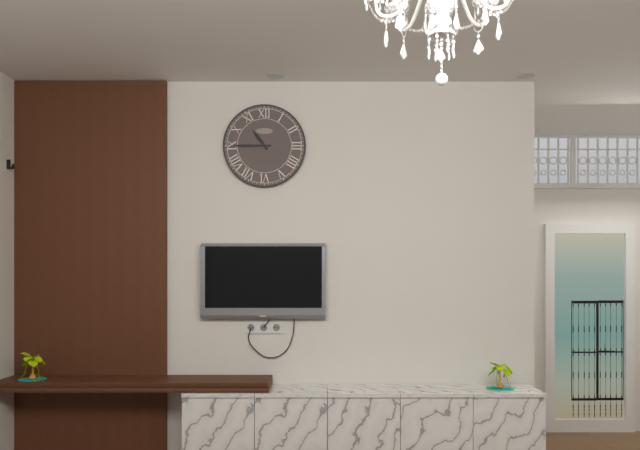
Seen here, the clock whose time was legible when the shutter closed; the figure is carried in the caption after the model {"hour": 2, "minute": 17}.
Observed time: {"hour": 10, "minute": 45}
